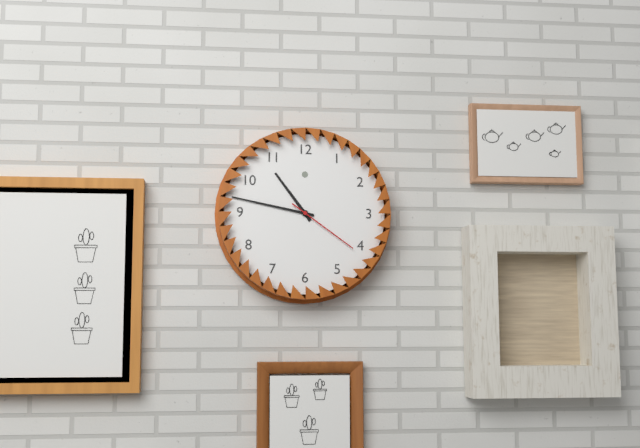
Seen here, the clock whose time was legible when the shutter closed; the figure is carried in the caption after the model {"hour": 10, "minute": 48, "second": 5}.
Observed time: {"hour": 10, "minute": 47, "second": 21}
